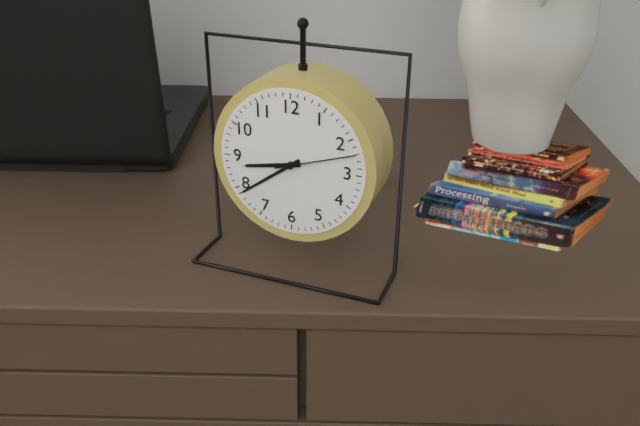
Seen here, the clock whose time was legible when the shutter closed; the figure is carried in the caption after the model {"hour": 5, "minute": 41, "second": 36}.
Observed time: {"hour": 8, "minute": 39, "second": 12}
